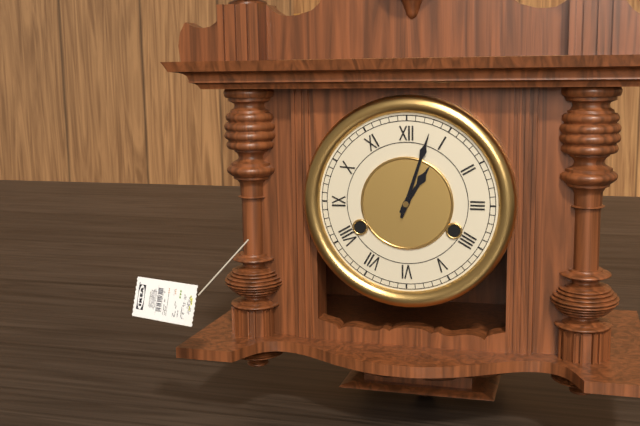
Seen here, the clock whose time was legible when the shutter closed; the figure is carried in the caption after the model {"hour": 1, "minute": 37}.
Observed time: {"hour": 1, "minute": 3}
